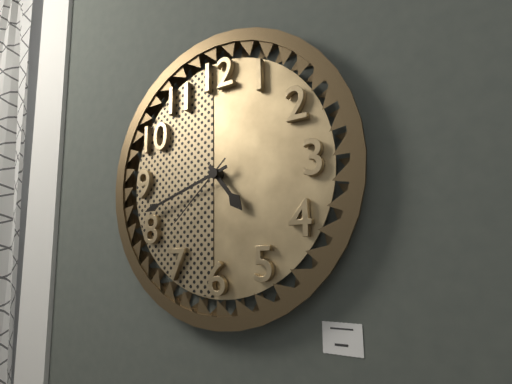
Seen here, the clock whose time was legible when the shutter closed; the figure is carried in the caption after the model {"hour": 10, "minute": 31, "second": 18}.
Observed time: {"hour": 4, "minute": 42, "second": 38}
